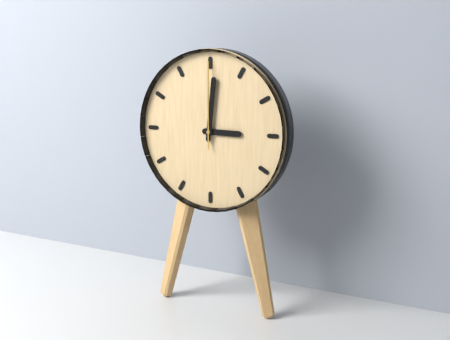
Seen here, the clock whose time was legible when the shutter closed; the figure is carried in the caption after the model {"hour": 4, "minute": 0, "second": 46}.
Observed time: {"hour": 3, "minute": 1, "second": 0}
